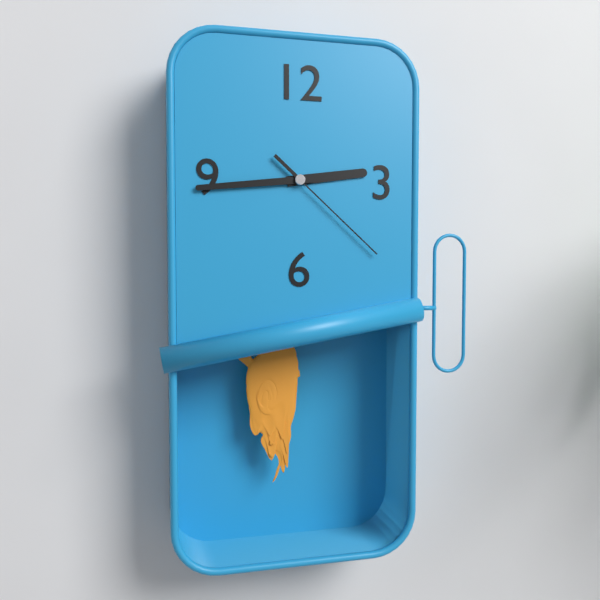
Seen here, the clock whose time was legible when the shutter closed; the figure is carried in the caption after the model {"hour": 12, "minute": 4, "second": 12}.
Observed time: {"hour": 2, "minute": 44, "second": 22}
